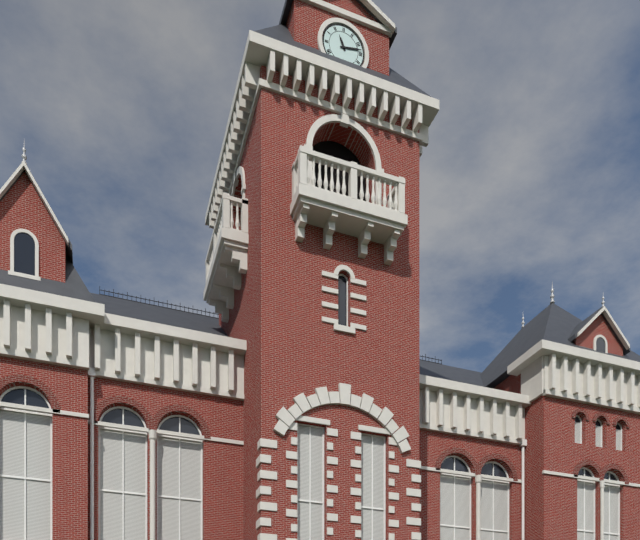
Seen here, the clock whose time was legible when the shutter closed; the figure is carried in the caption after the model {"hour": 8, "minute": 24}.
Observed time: {"hour": 11, "minute": 13}
